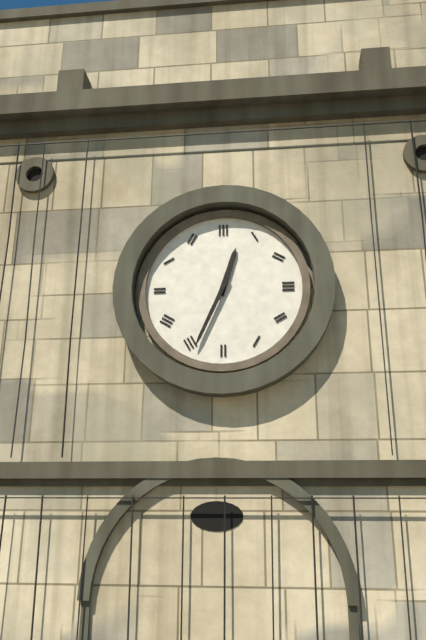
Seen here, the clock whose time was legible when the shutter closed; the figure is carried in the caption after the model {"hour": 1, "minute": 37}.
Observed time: {"hour": 12, "minute": 34}
